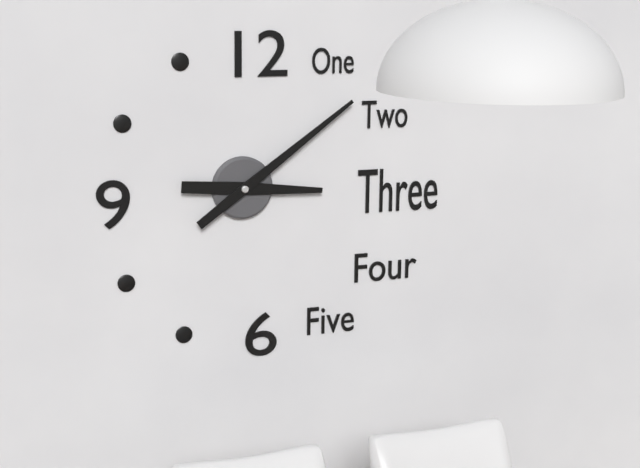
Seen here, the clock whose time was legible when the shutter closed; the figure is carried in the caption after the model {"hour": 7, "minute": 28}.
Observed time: {"hour": 3, "minute": 9}
